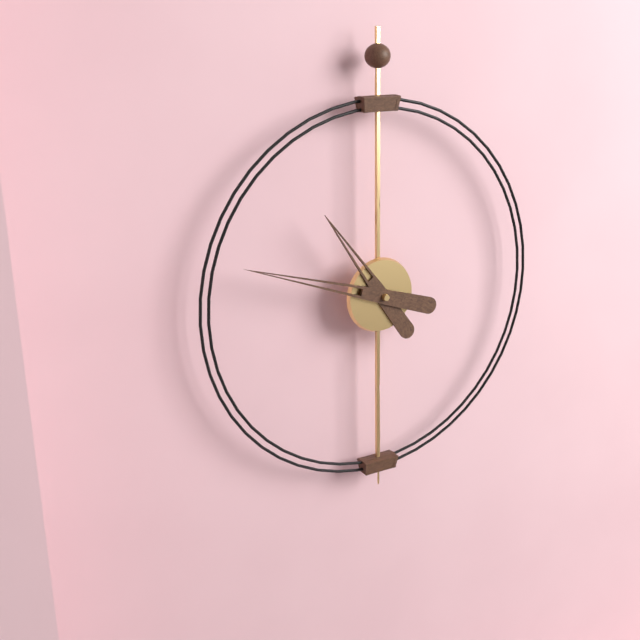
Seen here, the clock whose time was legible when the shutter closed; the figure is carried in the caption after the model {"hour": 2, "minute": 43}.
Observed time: {"hour": 10, "minute": 48}
